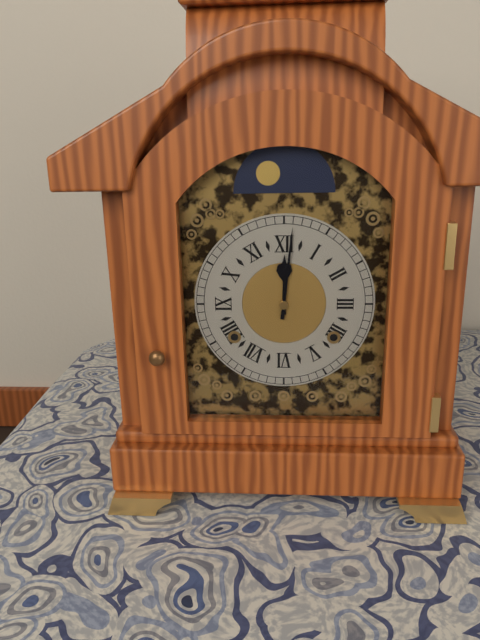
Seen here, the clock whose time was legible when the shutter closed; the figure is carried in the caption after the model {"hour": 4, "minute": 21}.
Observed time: {"hour": 12, "minute": 1}
